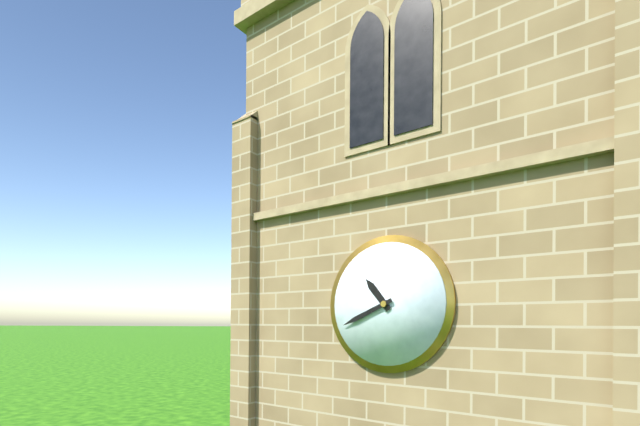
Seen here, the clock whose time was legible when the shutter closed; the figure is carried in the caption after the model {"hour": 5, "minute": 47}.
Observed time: {"hour": 10, "minute": 41}
